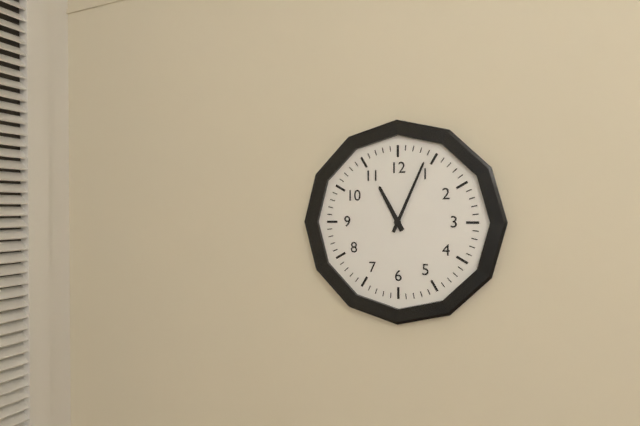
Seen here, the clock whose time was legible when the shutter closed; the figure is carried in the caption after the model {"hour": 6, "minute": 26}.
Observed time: {"hour": 11, "minute": 4}
